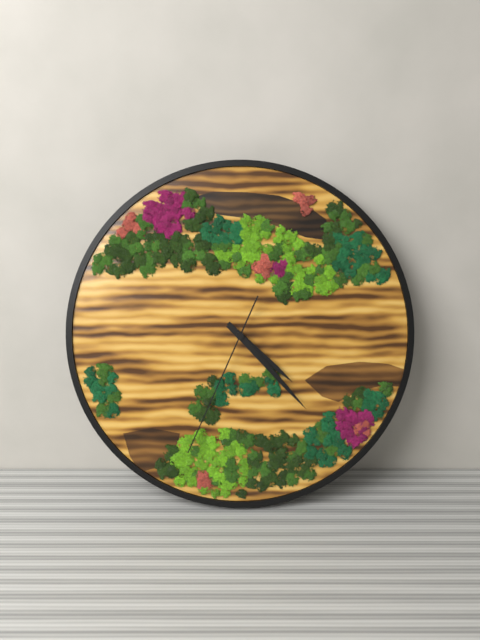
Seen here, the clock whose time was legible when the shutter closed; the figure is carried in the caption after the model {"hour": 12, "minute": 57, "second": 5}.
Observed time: {"hour": 4, "minute": 23, "second": 34}
